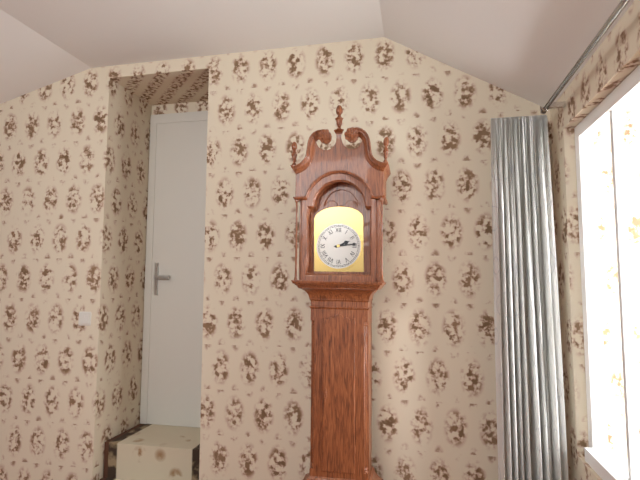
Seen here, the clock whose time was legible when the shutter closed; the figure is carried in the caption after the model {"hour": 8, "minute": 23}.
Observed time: {"hour": 2, "minute": 14}
